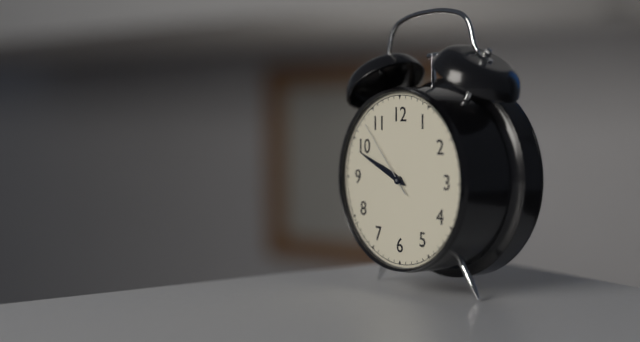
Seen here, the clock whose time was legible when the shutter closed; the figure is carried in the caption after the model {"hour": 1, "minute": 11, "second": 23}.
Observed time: {"hour": 9, "minute": 49, "second": 53}
